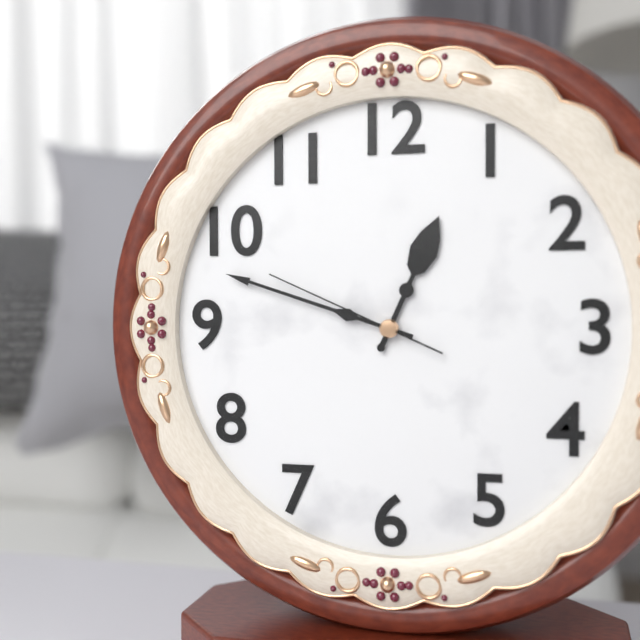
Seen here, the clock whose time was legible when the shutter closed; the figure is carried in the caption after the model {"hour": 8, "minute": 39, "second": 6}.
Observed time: {"hour": 12, "minute": 48, "second": 49}
